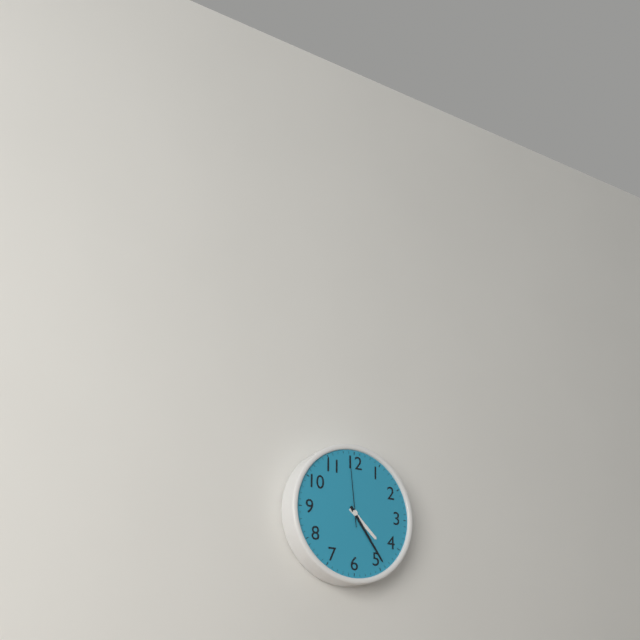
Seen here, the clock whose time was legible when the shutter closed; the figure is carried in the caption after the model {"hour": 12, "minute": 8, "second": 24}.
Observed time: {"hour": 4, "minute": 24, "second": 59}
